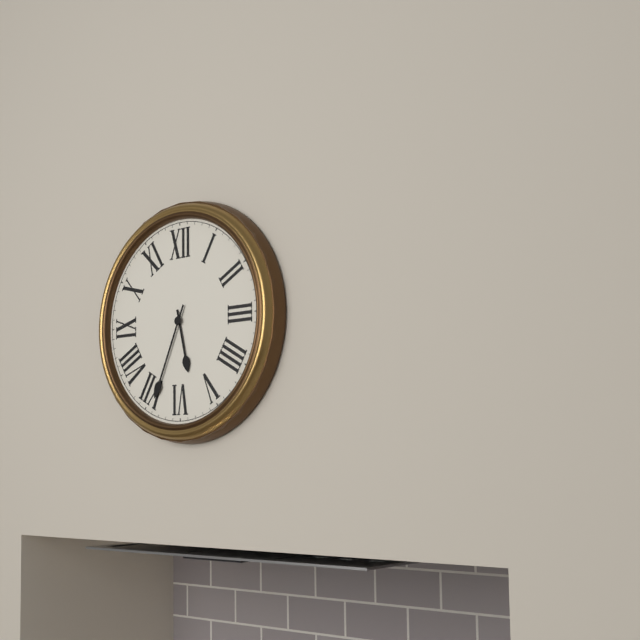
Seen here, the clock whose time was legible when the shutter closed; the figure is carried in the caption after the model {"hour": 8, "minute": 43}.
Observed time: {"hour": 5, "minute": 34}
